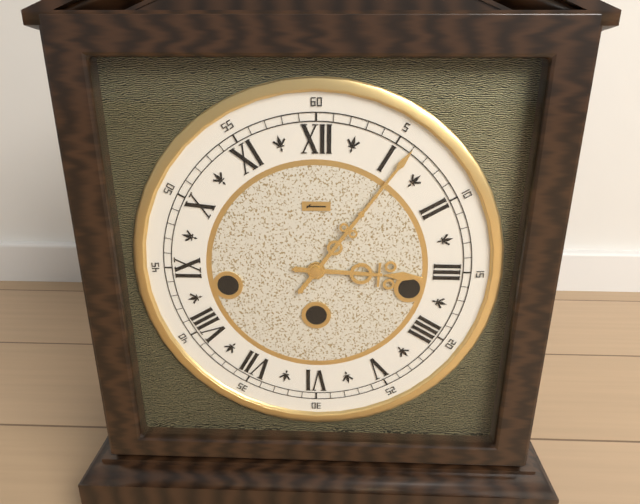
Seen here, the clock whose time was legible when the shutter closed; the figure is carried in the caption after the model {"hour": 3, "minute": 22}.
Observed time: {"hour": 3, "minute": 6}
